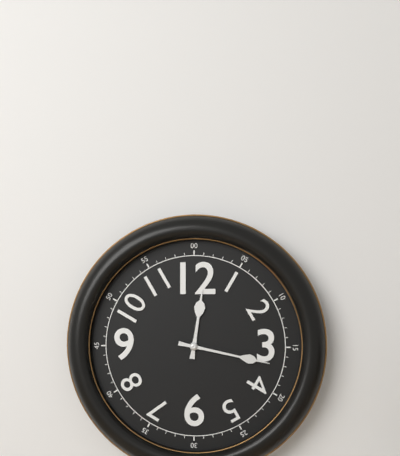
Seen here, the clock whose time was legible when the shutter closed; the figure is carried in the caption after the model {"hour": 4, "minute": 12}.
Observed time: {"hour": 12, "minute": 17}
